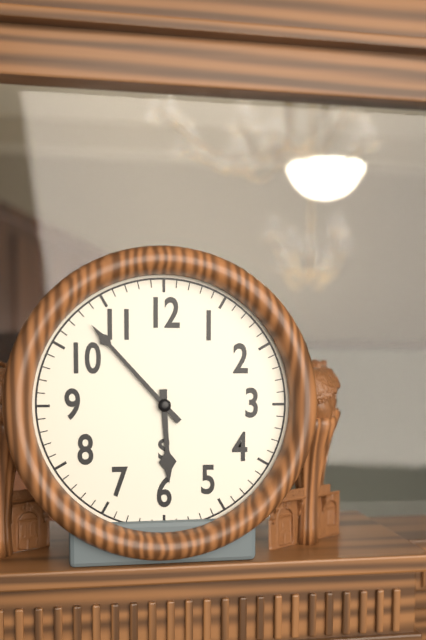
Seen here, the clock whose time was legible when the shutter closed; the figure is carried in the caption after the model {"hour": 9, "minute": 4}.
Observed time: {"hour": 5, "minute": 53}
